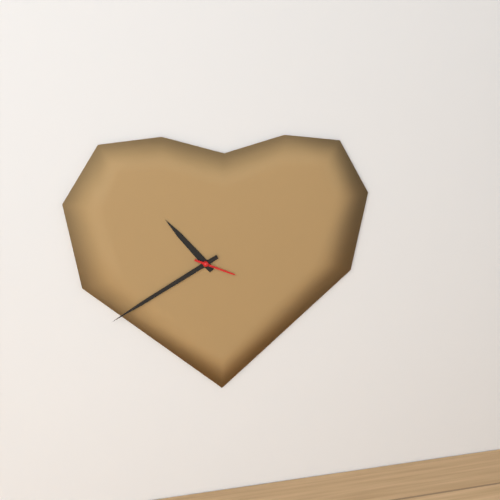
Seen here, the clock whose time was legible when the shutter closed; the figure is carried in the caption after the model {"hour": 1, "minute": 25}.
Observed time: {"hour": 10, "minute": 40}
